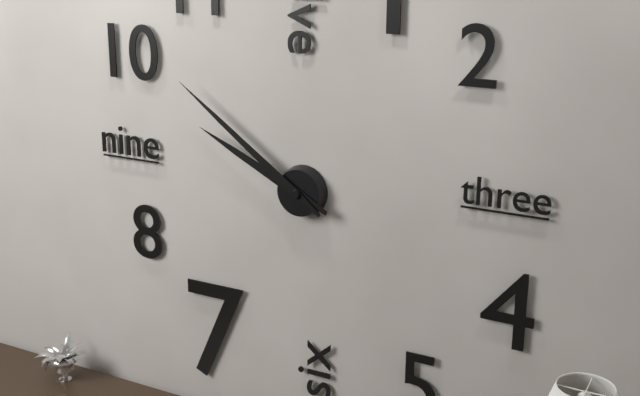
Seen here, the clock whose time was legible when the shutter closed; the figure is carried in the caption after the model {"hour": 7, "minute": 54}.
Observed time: {"hour": 9, "minute": 51}
